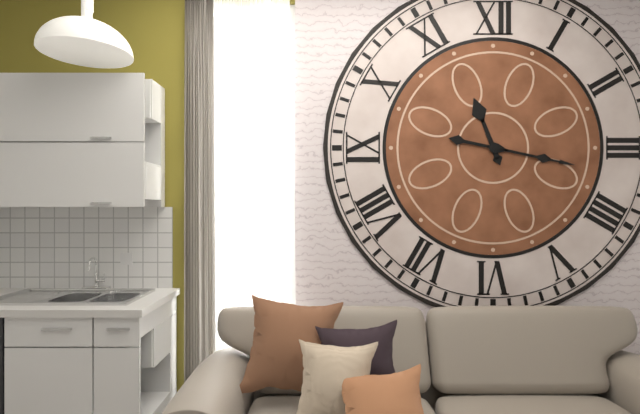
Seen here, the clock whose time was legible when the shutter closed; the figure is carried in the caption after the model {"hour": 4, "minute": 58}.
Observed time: {"hour": 11, "minute": 17}
